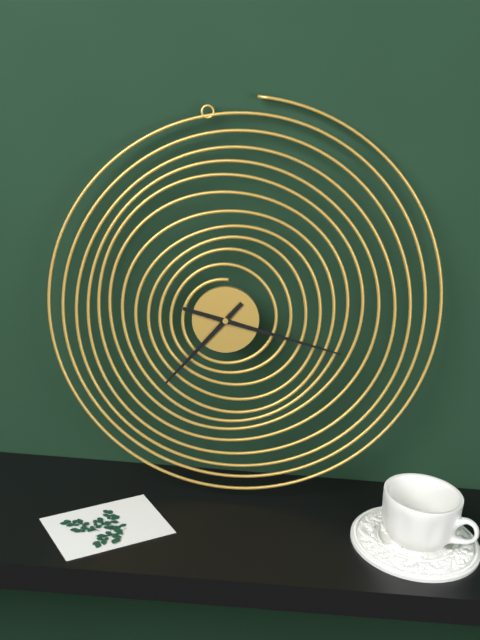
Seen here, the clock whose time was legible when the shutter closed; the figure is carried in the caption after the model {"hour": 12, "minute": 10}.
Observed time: {"hour": 7, "minute": 17}
